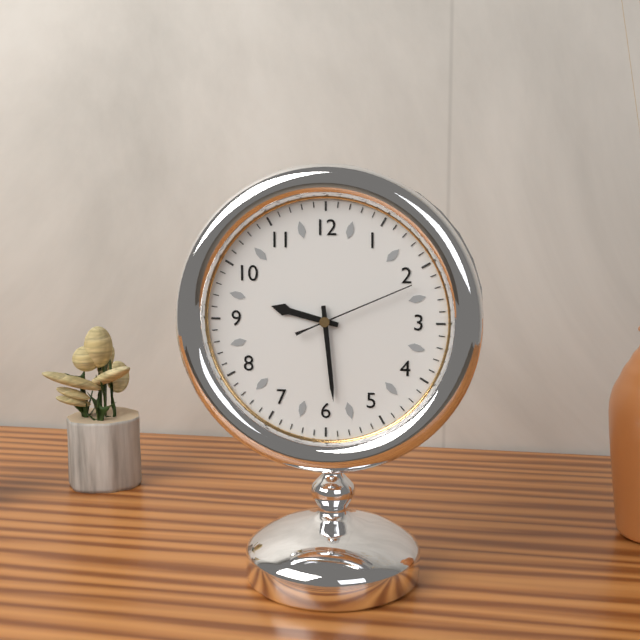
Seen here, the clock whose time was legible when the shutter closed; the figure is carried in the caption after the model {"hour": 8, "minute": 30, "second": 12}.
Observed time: {"hour": 9, "minute": 29, "second": 11}
